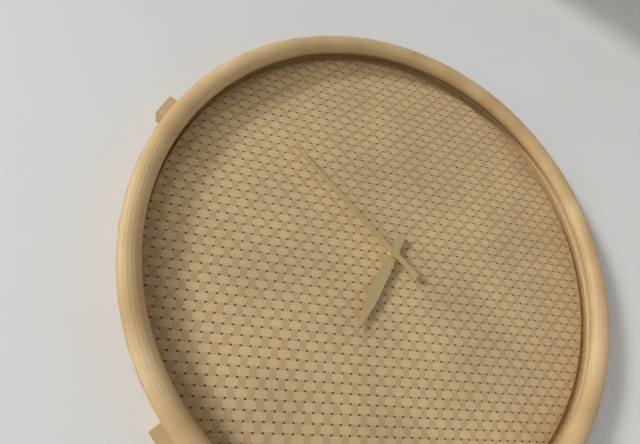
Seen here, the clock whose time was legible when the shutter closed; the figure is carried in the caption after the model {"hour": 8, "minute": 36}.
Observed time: {"hour": 6, "minute": 52}
